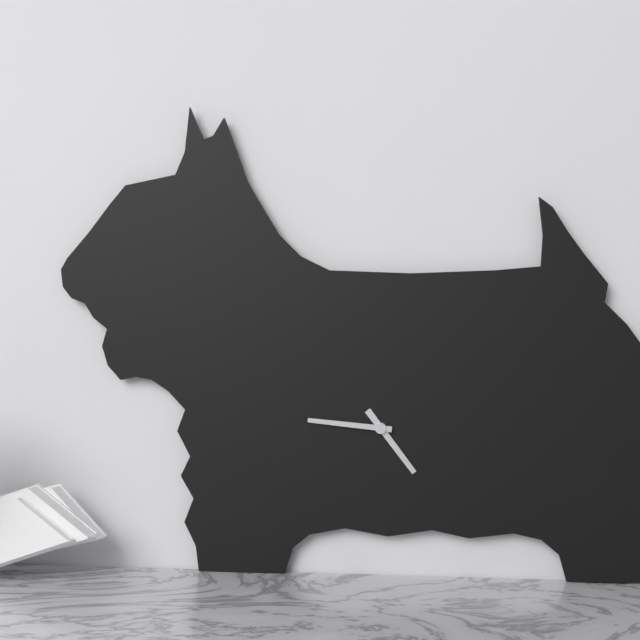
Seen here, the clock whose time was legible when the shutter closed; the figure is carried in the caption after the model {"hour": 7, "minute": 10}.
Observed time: {"hour": 4, "minute": 46}
